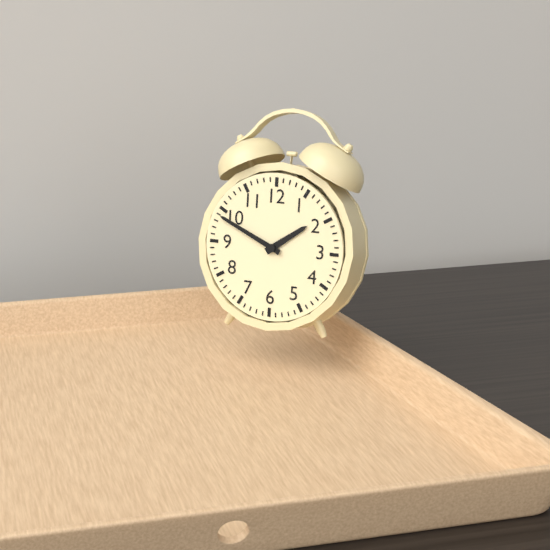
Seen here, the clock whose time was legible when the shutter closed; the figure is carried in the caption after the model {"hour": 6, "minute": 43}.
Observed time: {"hour": 1, "minute": 49}
